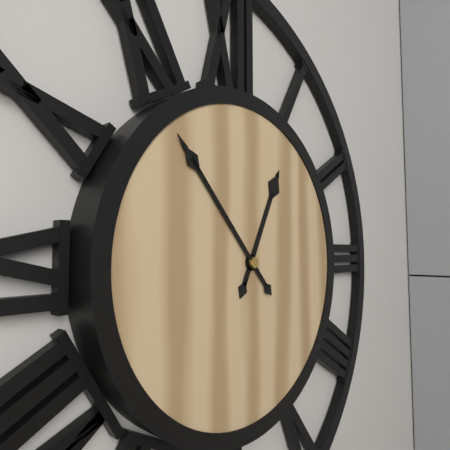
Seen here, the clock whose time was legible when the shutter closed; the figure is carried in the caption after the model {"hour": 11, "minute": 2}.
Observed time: {"hour": 12, "minute": 53}
